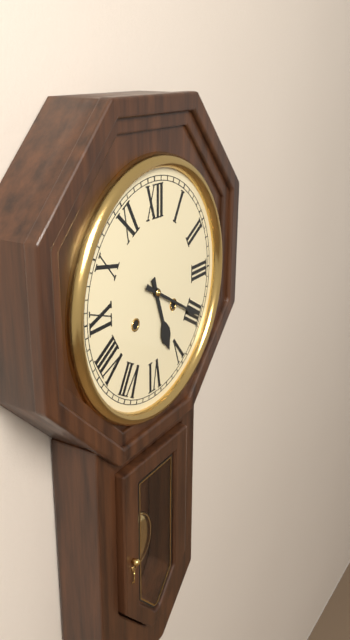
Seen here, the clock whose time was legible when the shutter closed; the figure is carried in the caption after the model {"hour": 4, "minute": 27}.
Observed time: {"hour": 5, "minute": 20}
